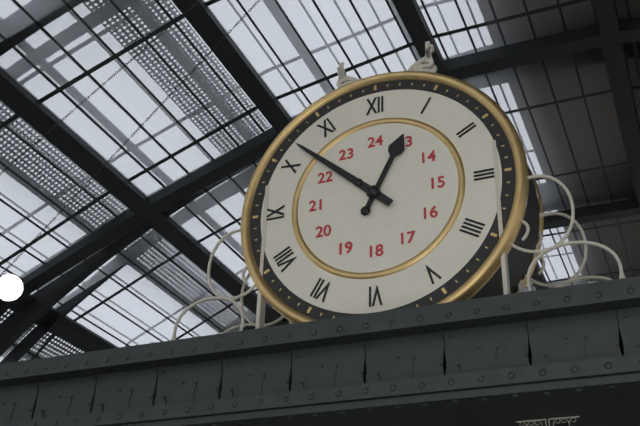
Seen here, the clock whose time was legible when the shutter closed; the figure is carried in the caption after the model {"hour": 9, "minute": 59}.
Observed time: {"hour": 12, "minute": 52}
